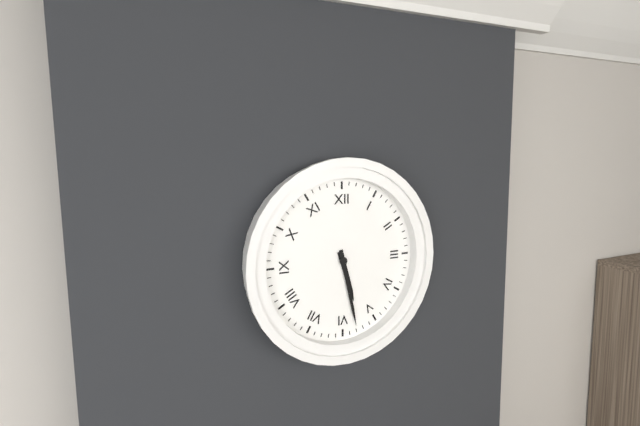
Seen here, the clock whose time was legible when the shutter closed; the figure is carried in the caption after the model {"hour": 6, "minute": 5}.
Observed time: {"hour": 5, "minute": 28}
